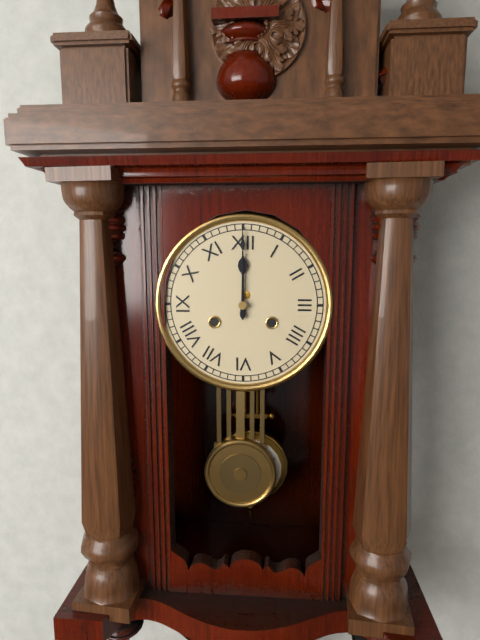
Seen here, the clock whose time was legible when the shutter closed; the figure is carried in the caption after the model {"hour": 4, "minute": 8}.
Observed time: {"hour": 12, "minute": 0}
